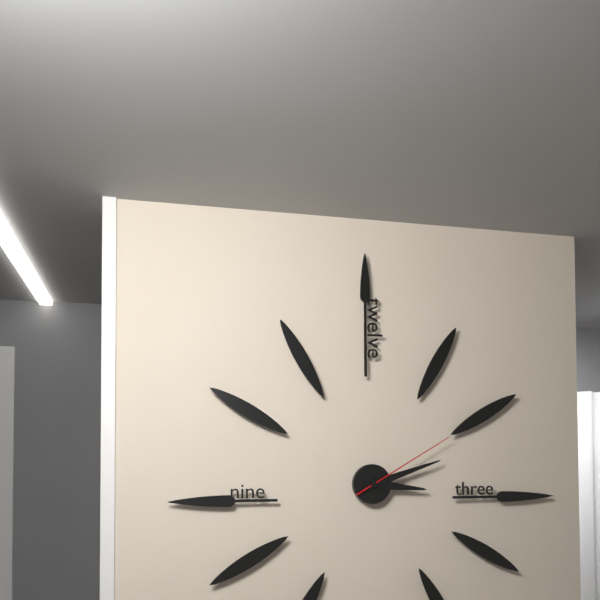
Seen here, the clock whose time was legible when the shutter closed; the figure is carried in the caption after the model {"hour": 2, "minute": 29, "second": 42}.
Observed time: {"hour": 3, "minute": 12, "second": 10}
